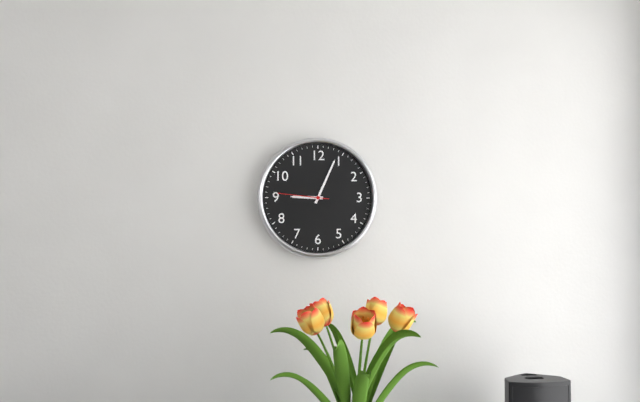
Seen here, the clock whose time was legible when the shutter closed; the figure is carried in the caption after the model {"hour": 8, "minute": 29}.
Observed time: {"hour": 9, "minute": 4}
